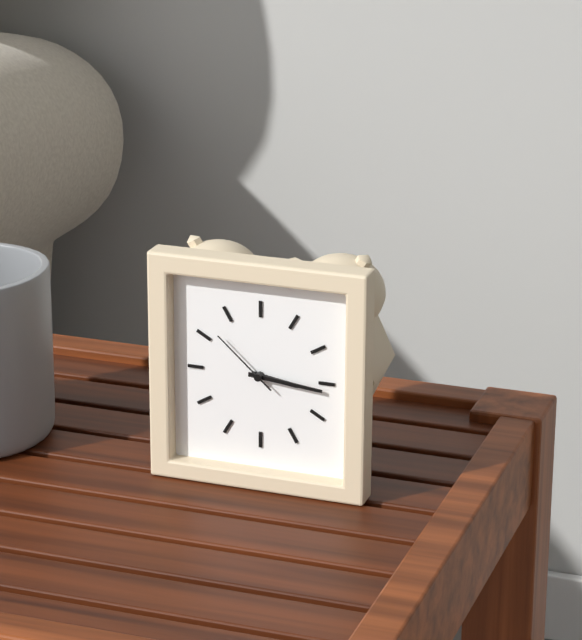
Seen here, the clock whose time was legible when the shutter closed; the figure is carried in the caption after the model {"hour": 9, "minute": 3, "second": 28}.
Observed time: {"hour": 3, "minute": 16, "second": 52}
